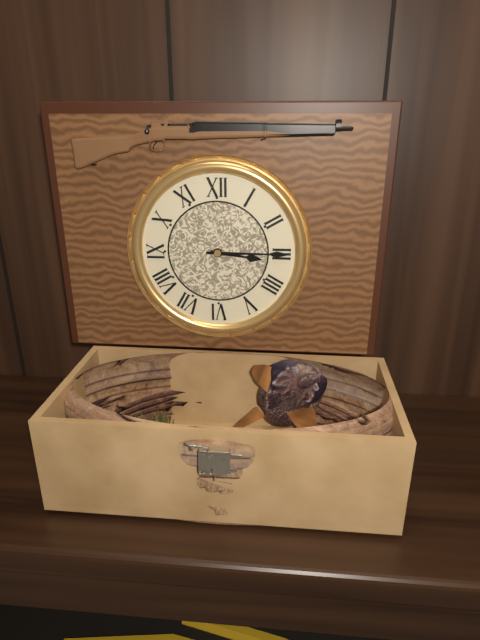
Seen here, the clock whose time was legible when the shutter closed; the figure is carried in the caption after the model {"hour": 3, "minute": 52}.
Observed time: {"hour": 3, "minute": 15}
